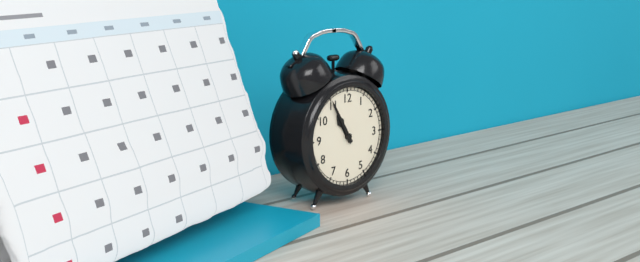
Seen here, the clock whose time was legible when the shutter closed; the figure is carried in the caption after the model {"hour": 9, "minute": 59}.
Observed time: {"hour": 10, "minute": 55}
